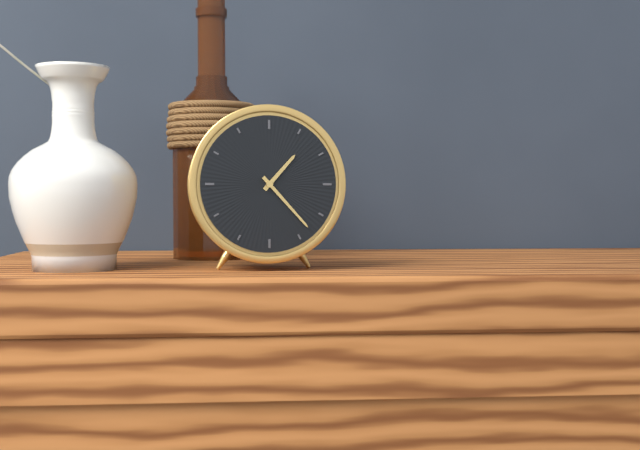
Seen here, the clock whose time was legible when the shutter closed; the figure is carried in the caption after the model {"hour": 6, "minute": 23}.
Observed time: {"hour": 1, "minute": 23}
